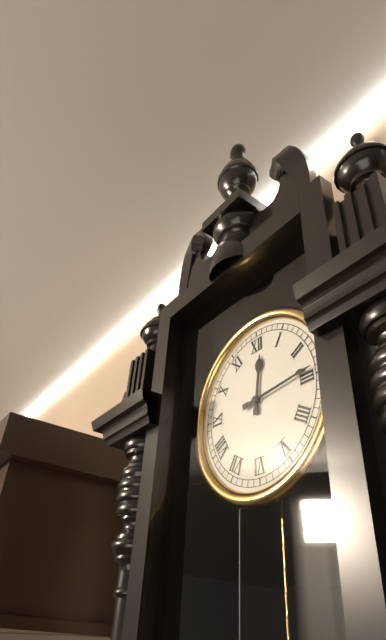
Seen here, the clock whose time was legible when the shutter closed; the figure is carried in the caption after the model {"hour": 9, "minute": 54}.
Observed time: {"hour": 12, "minute": 14}
